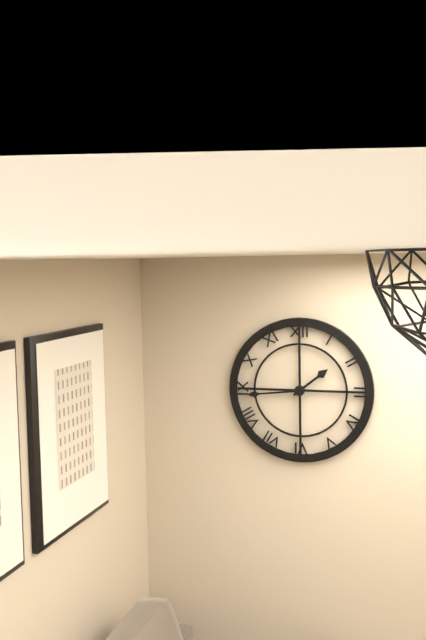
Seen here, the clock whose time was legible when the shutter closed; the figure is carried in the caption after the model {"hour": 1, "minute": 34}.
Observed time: {"hour": 1, "minute": 44}
